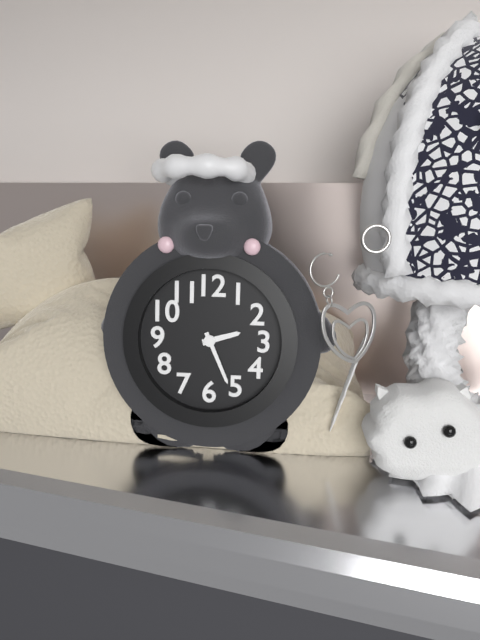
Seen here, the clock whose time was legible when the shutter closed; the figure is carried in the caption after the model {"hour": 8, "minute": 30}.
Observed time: {"hour": 2, "minute": 26}
